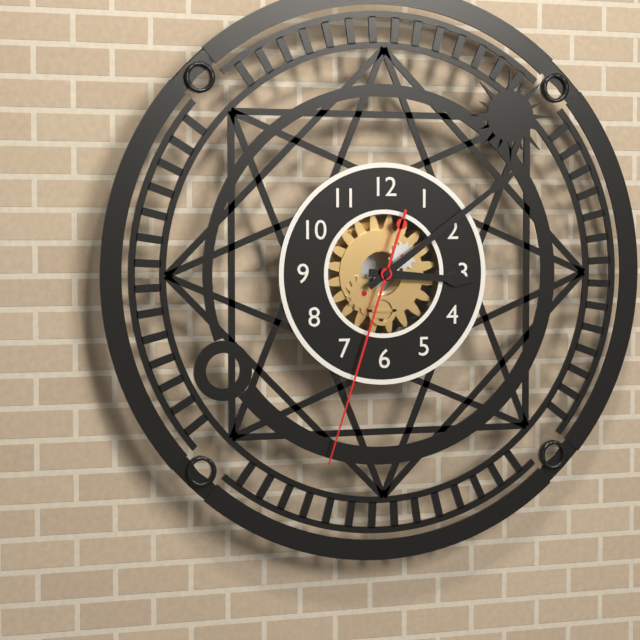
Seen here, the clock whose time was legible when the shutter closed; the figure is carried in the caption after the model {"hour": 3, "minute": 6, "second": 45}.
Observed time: {"hour": 3, "minute": 9, "second": 33}
